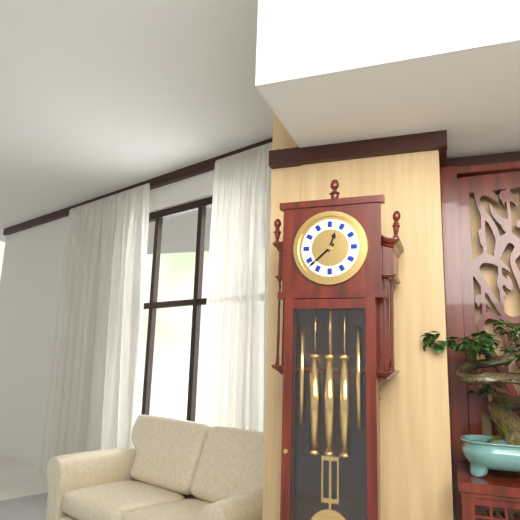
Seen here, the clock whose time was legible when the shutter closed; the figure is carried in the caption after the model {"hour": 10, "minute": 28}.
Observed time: {"hour": 12, "minute": 38}
